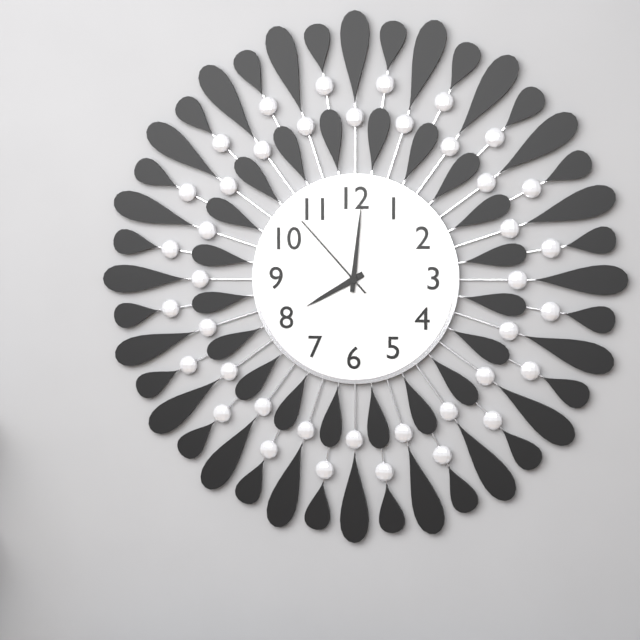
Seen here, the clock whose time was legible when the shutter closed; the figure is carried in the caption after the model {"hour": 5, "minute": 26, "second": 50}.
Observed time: {"hour": 8, "minute": 1, "second": 53}
